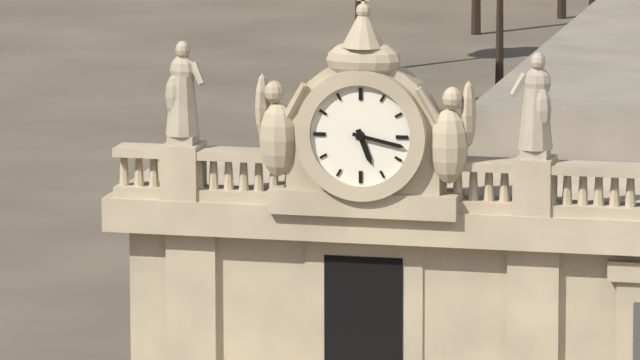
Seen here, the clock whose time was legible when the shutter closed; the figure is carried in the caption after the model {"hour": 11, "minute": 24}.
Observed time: {"hour": 5, "minute": 17}
